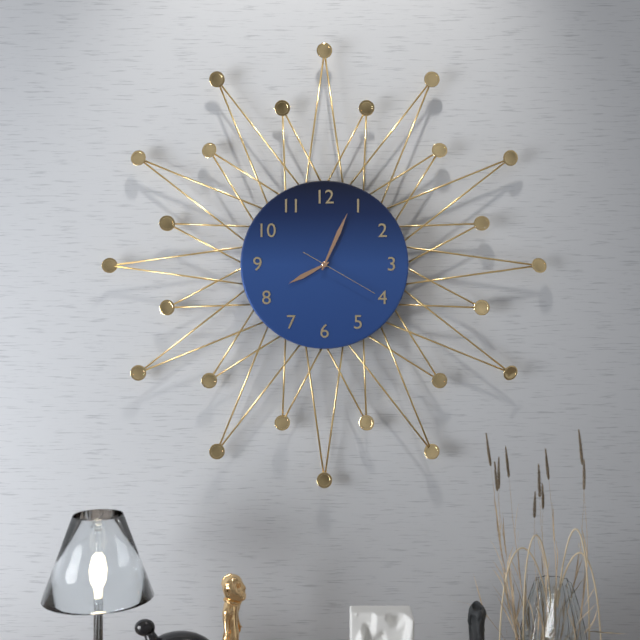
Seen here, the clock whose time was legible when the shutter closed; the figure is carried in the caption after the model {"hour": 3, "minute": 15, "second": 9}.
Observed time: {"hour": 8, "minute": 4, "second": 20}
